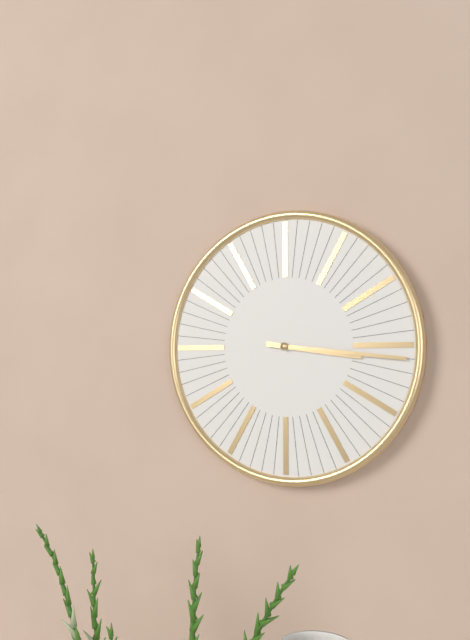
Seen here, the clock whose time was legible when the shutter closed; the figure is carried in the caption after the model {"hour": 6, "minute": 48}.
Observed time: {"hour": 3, "minute": 16}
